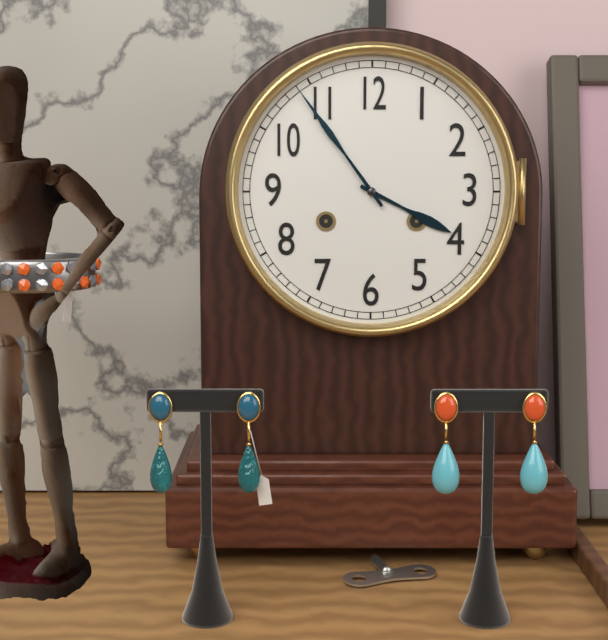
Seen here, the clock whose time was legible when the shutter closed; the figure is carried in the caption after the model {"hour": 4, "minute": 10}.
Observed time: {"hour": 3, "minute": 54}
